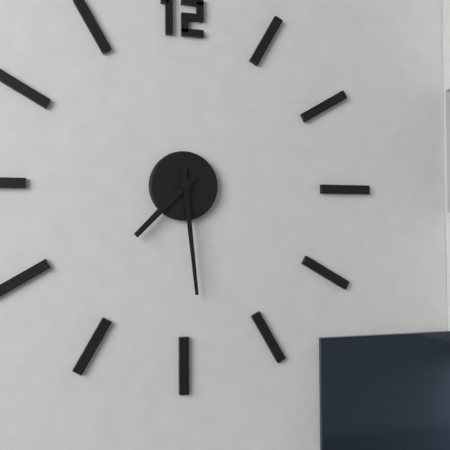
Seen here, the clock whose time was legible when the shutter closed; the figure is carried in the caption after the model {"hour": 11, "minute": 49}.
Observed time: {"hour": 7, "minute": 29}
